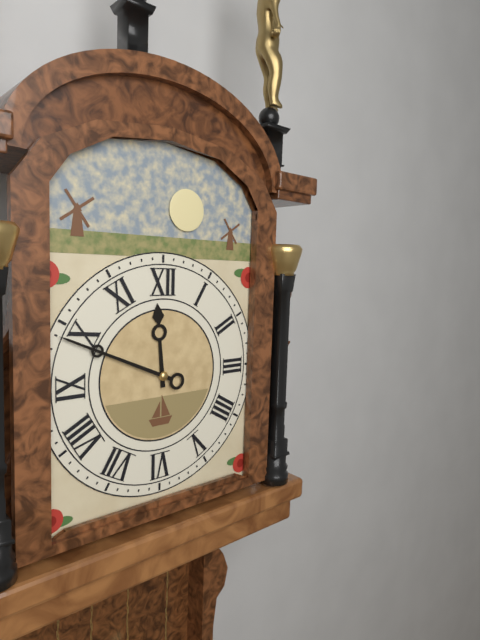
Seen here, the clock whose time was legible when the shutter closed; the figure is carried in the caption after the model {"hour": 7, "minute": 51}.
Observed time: {"hour": 11, "minute": 49}
